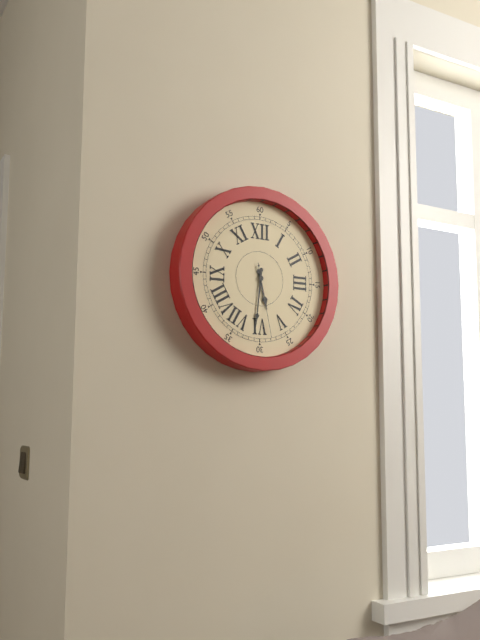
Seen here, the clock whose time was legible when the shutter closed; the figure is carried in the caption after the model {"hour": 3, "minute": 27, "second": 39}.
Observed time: {"hour": 5, "minute": 31, "second": 28}
